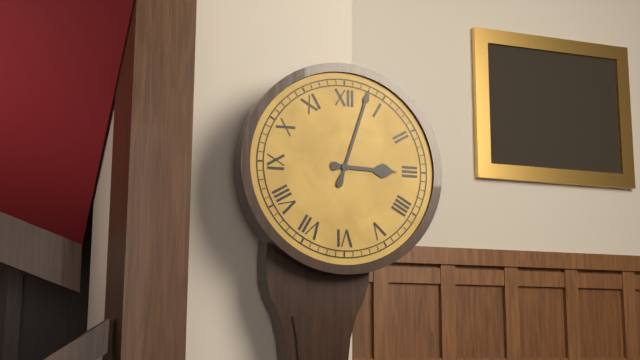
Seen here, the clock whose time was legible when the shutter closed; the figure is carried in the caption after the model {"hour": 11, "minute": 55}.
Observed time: {"hour": 3, "minute": 3}
